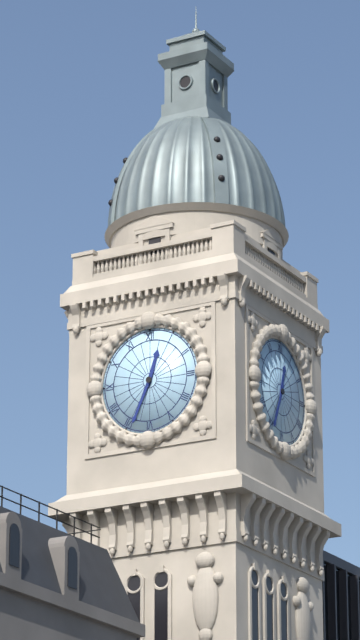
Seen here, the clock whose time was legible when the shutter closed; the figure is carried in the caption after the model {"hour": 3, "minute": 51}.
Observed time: {"hour": 12, "minute": 34}
